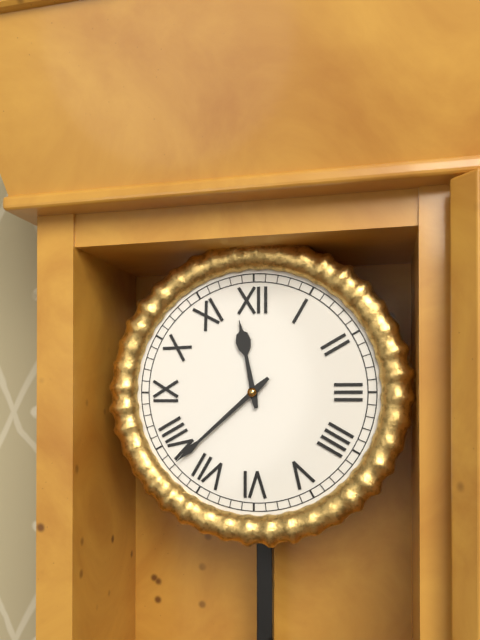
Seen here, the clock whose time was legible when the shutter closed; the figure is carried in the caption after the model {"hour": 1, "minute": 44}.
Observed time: {"hour": 11, "minute": 38}
